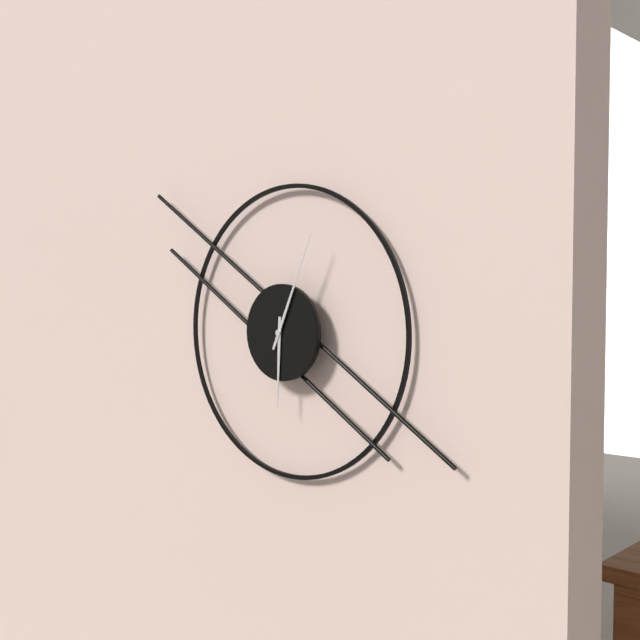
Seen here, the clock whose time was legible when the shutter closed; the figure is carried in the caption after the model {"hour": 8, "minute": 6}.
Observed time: {"hour": 6, "minute": 4}
